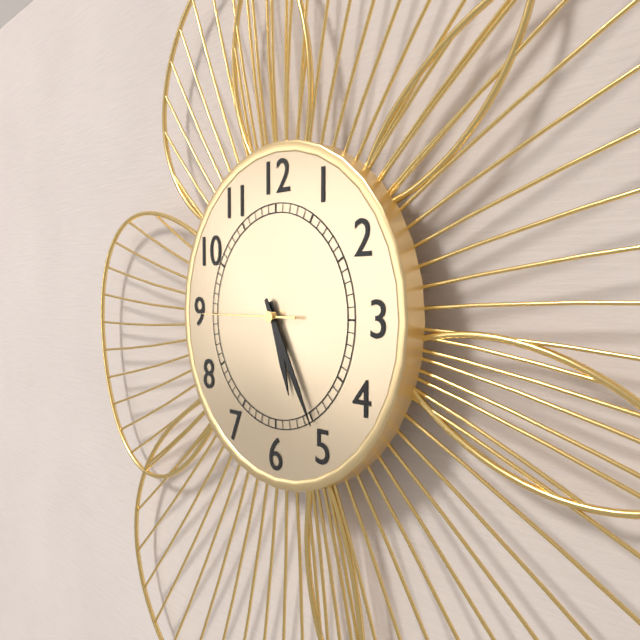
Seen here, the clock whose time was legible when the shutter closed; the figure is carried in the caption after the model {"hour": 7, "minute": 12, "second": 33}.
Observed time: {"hour": 5, "minute": 25, "second": 45}
